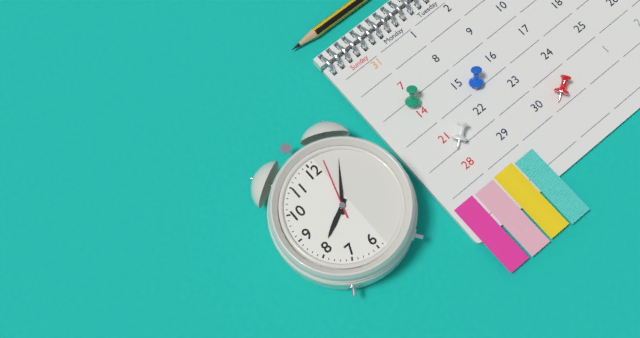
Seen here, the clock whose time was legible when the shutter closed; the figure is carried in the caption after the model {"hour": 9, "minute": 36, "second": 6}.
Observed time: {"hour": 8, "minute": 6, "second": 3}
